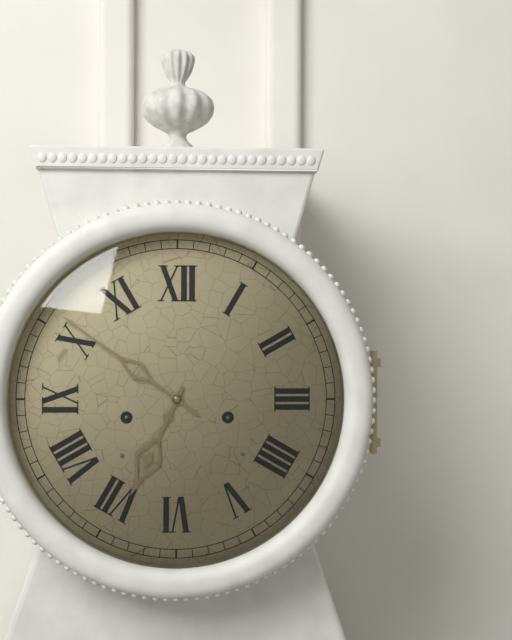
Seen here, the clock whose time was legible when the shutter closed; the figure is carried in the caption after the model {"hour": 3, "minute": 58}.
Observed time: {"hour": 6, "minute": 51}
